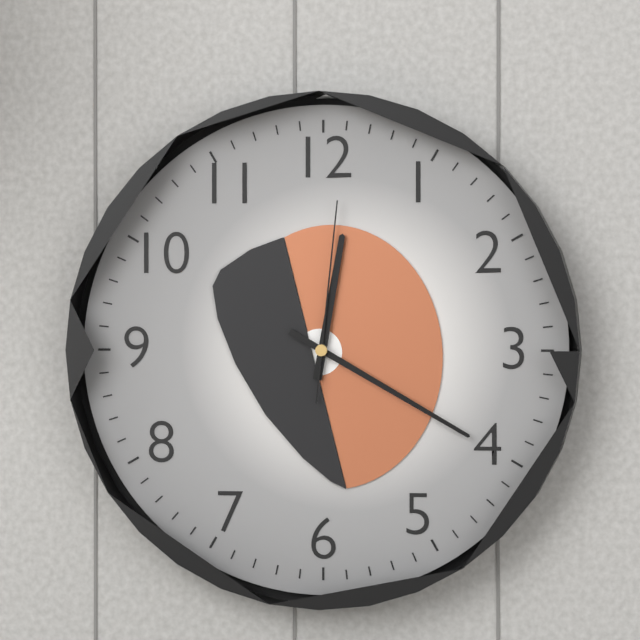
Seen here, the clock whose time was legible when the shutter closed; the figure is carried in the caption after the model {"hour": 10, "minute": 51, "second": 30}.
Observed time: {"hour": 12, "minute": 20, "second": 1}
